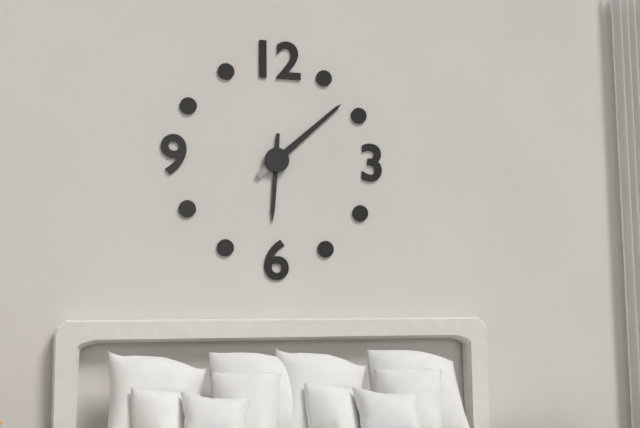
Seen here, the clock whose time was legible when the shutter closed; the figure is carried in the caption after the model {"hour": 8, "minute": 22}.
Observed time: {"hour": 6, "minute": 8}
